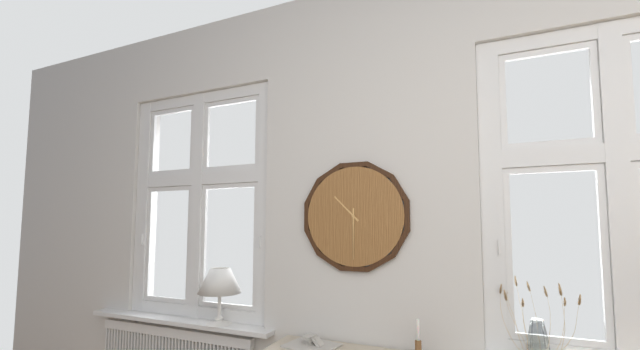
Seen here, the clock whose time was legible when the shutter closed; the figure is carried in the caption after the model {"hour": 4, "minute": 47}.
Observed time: {"hour": 10, "minute": 30}
